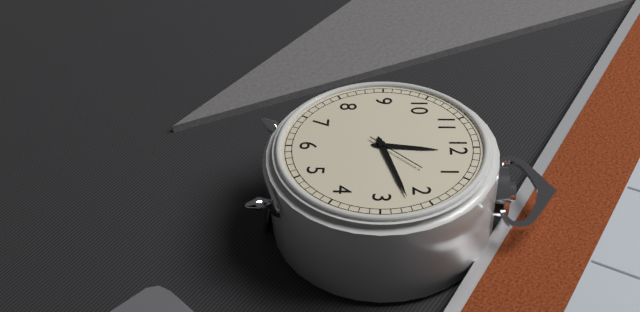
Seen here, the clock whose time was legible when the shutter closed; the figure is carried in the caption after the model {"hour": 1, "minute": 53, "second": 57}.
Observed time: {"hour": 12, "minute": 12, "second": 7}
